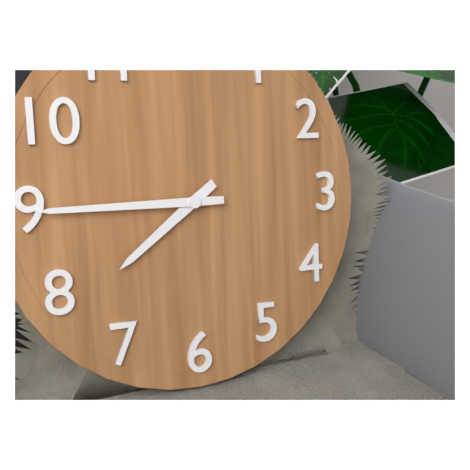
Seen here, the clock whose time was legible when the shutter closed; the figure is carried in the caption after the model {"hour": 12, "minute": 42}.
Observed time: {"hour": 7, "minute": 45}
